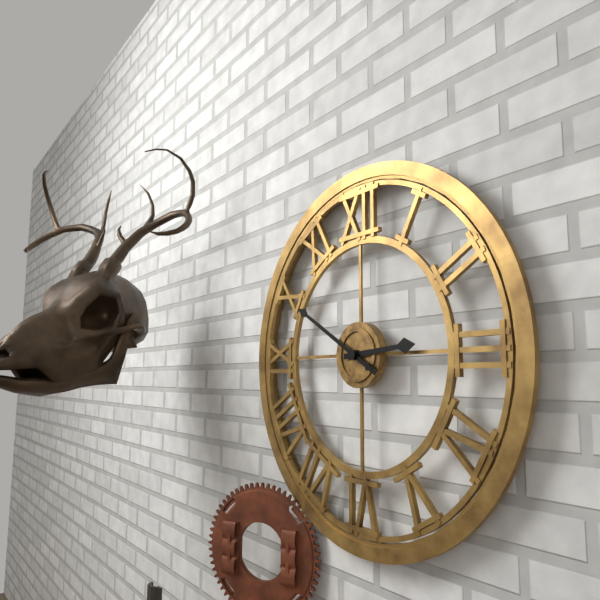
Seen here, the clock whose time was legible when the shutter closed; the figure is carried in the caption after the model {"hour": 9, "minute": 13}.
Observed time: {"hour": 2, "minute": 50}
